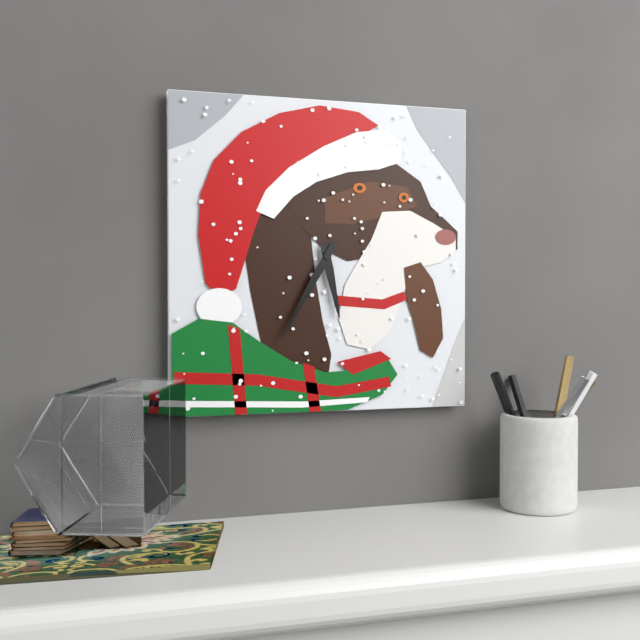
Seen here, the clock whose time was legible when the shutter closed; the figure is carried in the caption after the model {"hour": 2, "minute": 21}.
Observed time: {"hour": 5, "minute": 35}
